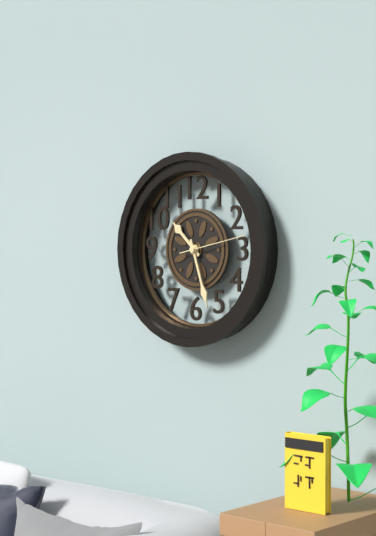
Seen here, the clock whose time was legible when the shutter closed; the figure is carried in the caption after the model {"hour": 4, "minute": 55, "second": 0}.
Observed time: {"hour": 10, "minute": 27, "second": 13}
